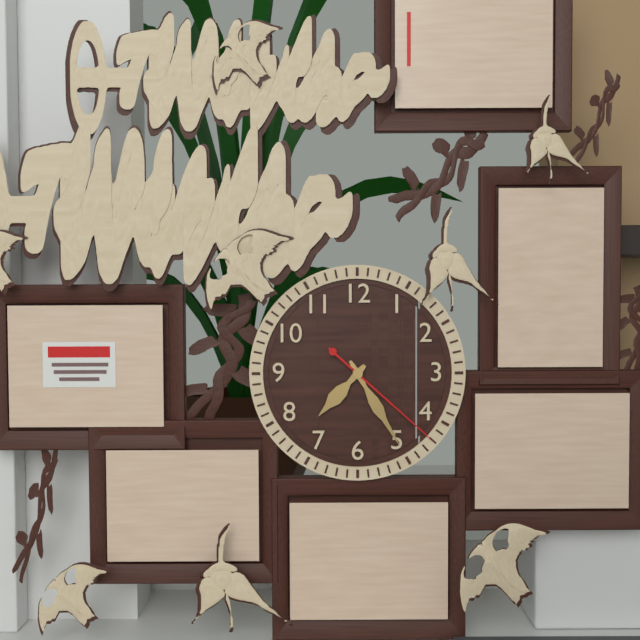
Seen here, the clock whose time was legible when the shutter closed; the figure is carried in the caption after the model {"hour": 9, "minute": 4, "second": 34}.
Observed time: {"hour": 7, "minute": 25, "second": 22}
